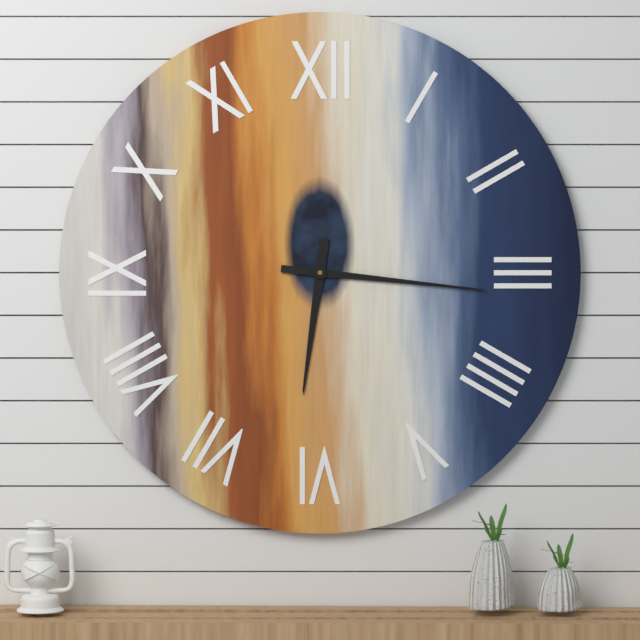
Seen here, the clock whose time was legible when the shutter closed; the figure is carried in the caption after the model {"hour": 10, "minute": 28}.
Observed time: {"hour": 6, "minute": 16}
